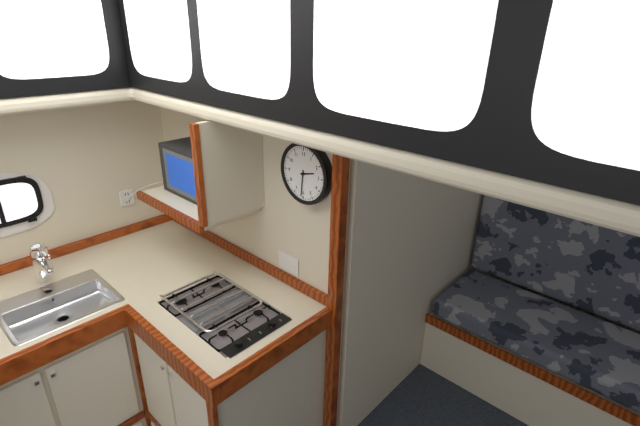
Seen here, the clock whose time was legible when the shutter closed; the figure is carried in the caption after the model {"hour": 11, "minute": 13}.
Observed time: {"hour": 2, "minute": 31}
